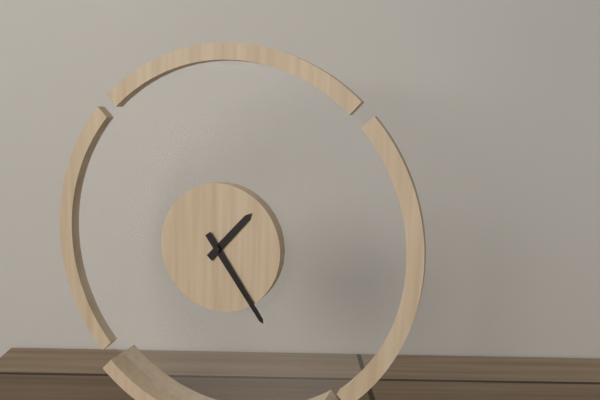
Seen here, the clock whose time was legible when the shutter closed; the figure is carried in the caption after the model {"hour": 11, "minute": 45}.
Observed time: {"hour": 1, "minute": 24}
